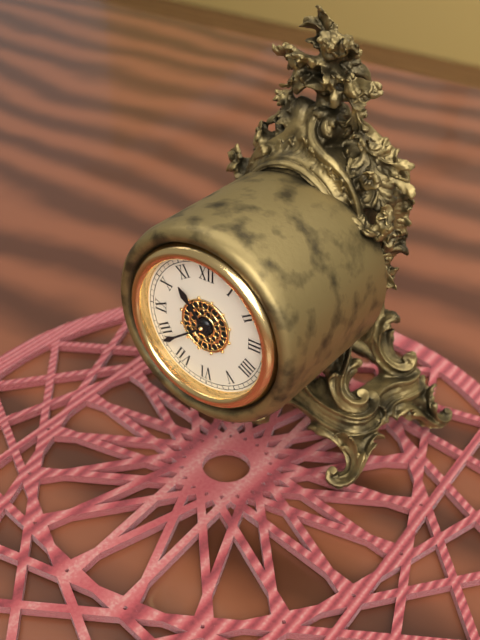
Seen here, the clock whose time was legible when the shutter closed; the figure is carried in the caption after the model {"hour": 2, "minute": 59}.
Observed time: {"hour": 10, "minute": 39}
